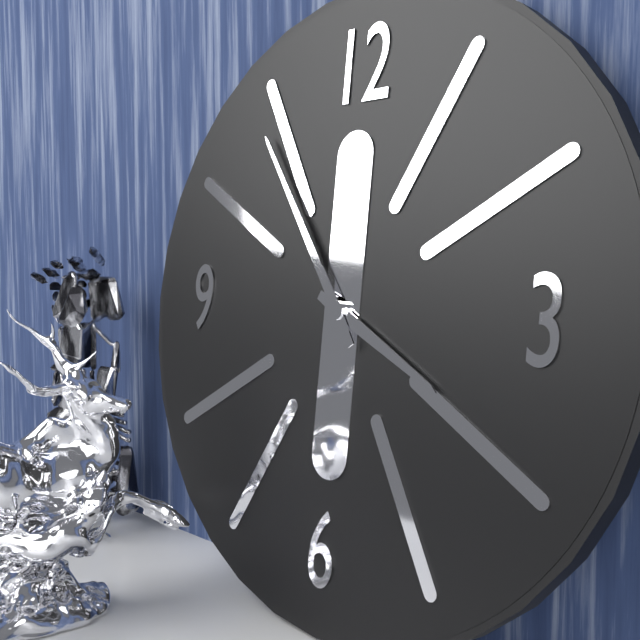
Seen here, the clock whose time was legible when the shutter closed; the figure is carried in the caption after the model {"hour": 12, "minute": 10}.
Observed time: {"hour": 3, "minute": 54}
